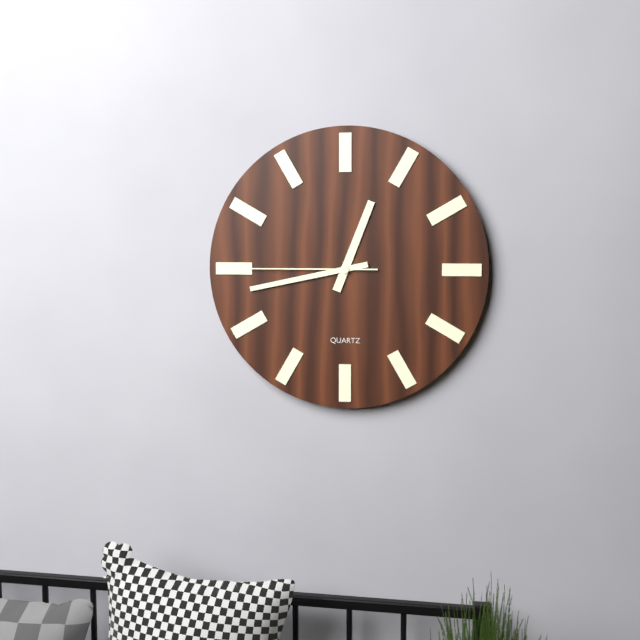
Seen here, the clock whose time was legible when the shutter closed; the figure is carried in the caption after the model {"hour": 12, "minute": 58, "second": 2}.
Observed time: {"hour": 12, "minute": 43, "second": 45}
